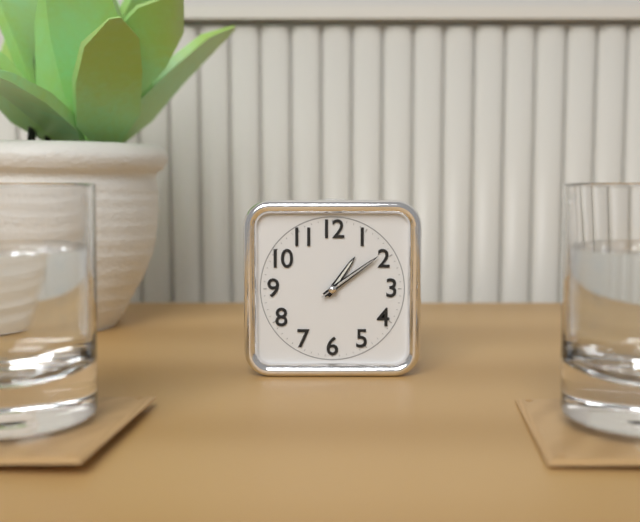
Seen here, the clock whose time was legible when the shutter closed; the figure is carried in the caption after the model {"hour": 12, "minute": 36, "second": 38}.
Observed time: {"hour": 1, "minute": 9, "second": 9}
